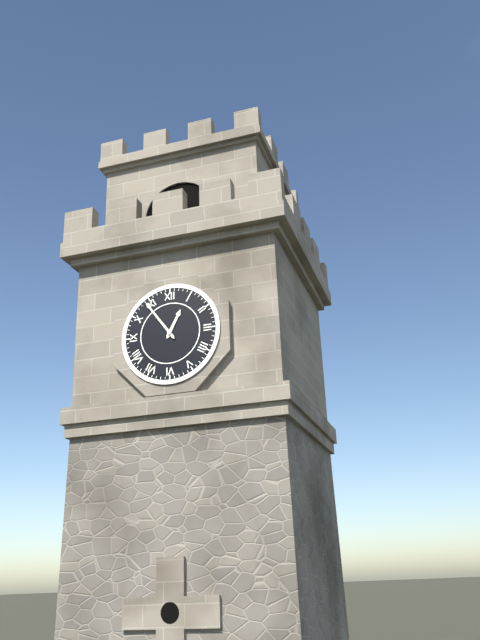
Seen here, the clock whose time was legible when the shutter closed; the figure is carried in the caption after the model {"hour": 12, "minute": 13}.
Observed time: {"hour": 12, "minute": 54}
